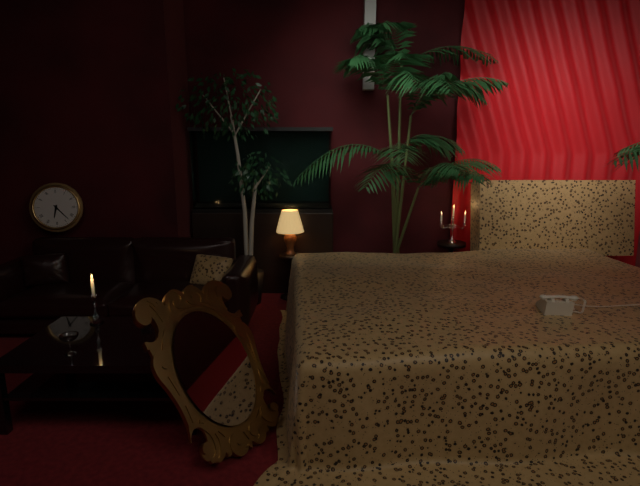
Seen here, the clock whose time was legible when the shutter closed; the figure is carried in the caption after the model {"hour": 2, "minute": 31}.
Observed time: {"hour": 6, "minute": 23}
